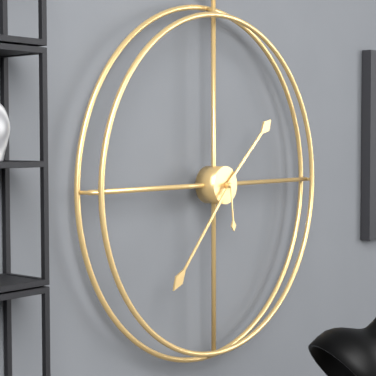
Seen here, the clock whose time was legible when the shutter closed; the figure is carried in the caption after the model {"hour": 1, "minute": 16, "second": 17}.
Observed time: {"hour": 1, "minute": 37, "second": 29}
